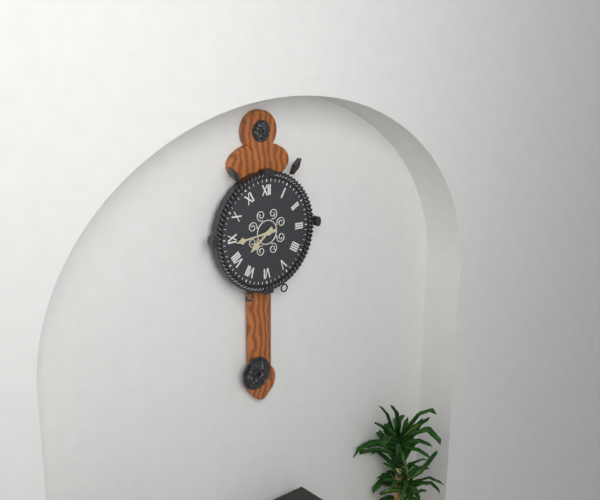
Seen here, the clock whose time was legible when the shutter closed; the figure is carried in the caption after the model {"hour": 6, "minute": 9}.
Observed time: {"hour": 7, "minute": 44}
